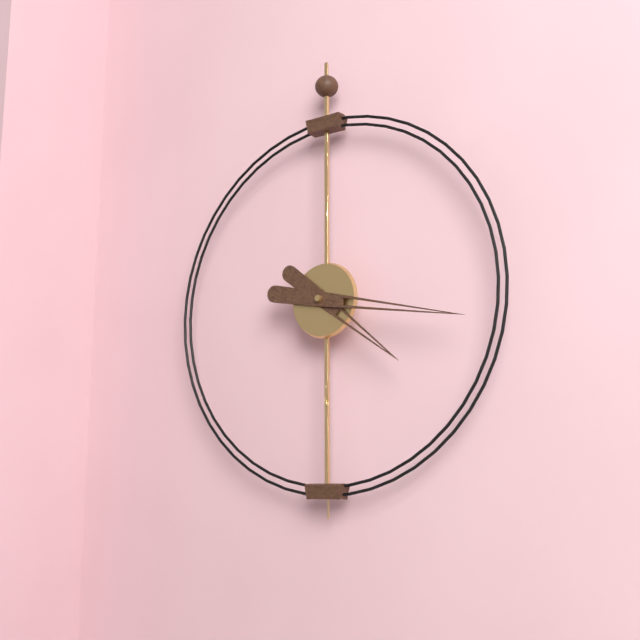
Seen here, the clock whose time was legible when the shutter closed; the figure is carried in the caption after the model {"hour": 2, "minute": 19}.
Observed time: {"hour": 4, "minute": 17}
